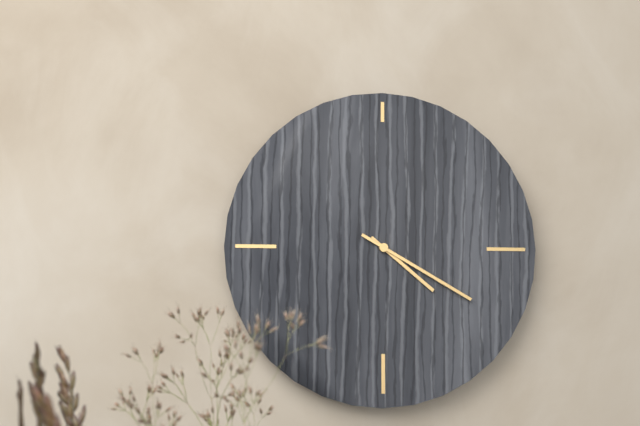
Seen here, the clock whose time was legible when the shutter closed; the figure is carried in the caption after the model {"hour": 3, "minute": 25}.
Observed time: {"hour": 4, "minute": 20}
